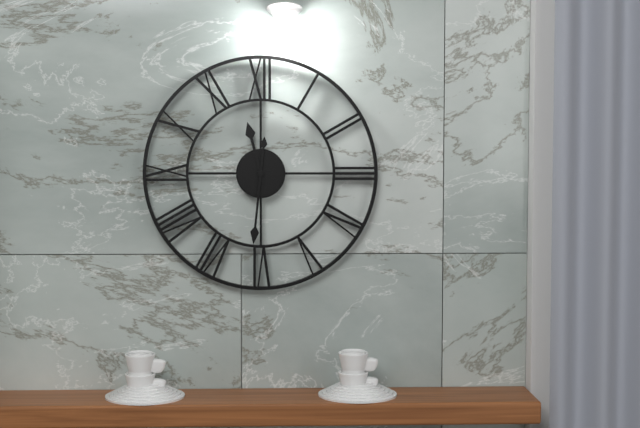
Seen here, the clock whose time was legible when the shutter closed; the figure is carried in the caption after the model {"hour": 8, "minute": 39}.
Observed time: {"hour": 11, "minute": 31}
